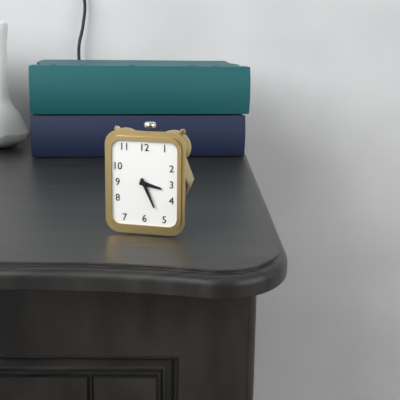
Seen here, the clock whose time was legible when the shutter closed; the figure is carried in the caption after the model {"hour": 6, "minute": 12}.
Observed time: {"hour": 3, "minute": 26}
